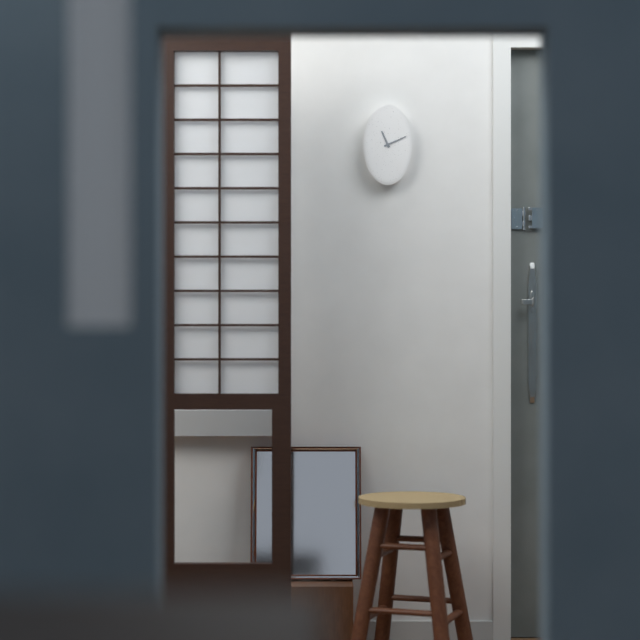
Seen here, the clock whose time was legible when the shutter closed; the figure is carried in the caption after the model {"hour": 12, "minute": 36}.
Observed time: {"hour": 11, "minute": 11}
